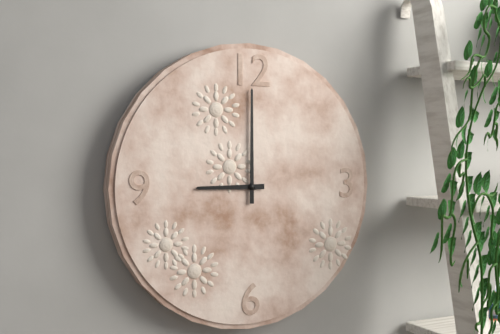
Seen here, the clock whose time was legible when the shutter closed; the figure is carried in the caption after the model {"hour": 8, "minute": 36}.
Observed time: {"hour": 9, "minute": 0}
